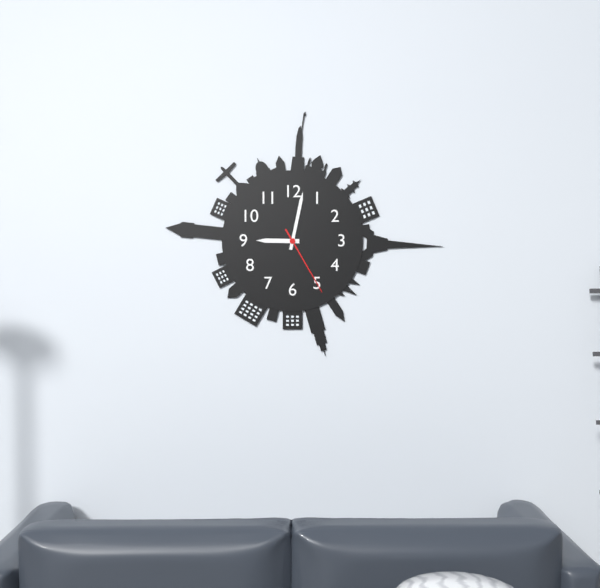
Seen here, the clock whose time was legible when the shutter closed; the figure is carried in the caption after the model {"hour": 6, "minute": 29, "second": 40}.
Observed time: {"hour": 9, "minute": 2, "second": 25}
